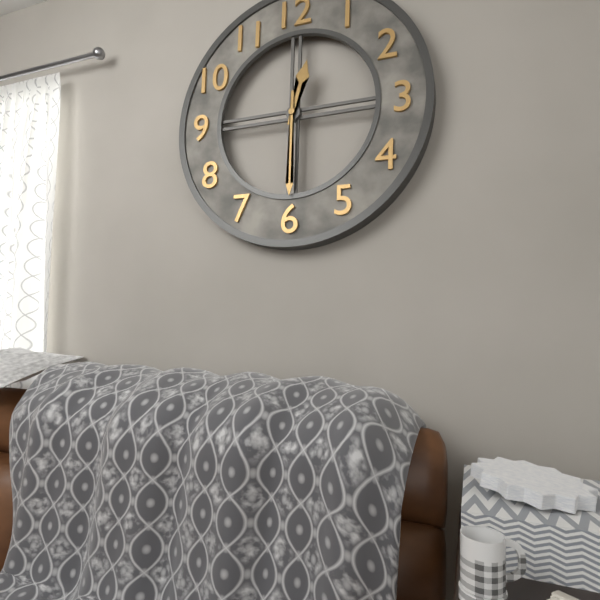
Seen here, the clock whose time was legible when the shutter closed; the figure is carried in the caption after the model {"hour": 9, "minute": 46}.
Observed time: {"hour": 12, "minute": 30}
